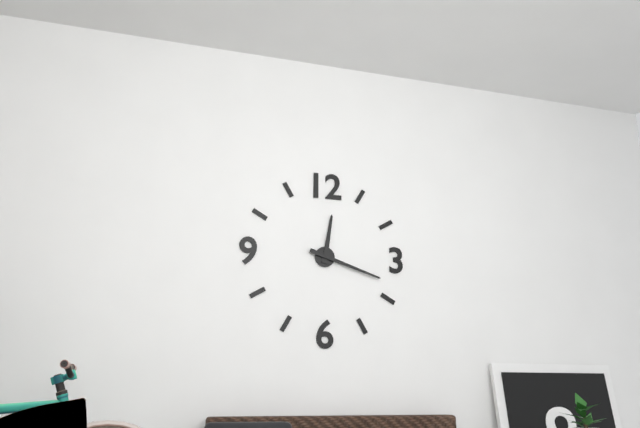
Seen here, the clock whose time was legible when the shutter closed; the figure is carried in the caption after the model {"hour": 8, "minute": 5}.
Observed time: {"hour": 12, "minute": 18}
